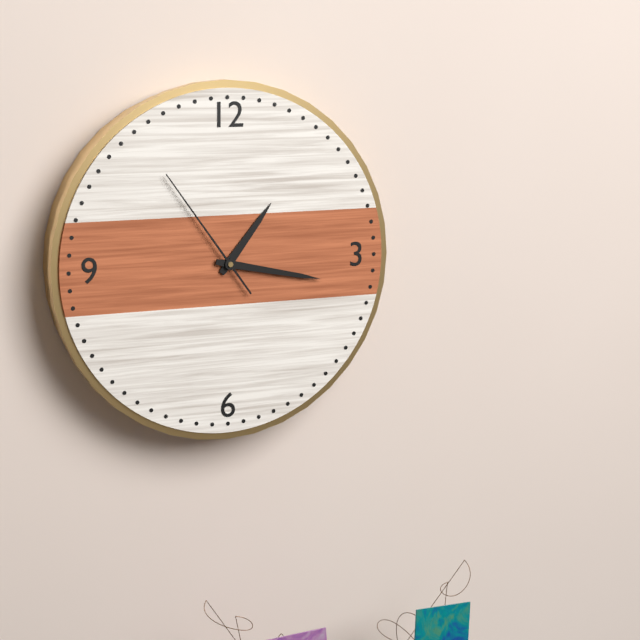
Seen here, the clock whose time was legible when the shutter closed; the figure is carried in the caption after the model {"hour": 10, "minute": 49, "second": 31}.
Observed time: {"hour": 1, "minute": 17, "second": 54}
